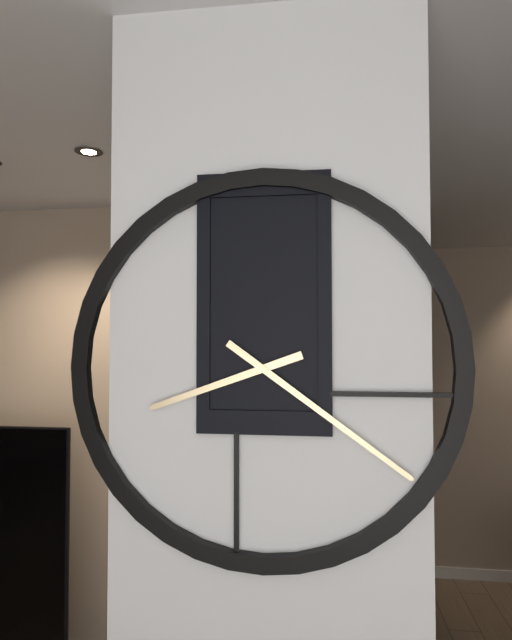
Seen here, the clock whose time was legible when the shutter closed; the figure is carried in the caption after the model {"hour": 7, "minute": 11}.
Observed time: {"hour": 8, "minute": 21}
